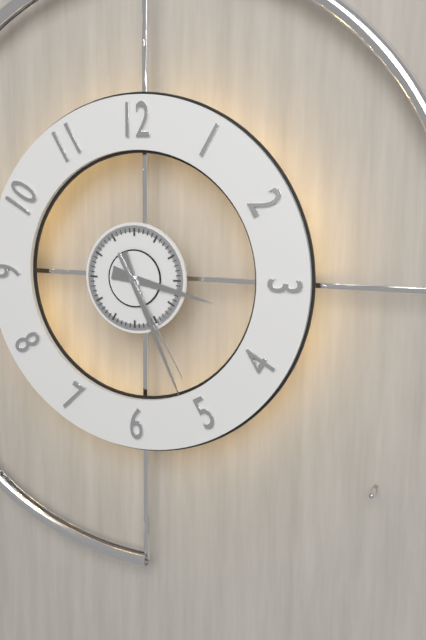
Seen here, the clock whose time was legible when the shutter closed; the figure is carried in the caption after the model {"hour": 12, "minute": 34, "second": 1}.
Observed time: {"hour": 3, "minute": 26, "second": 25}
